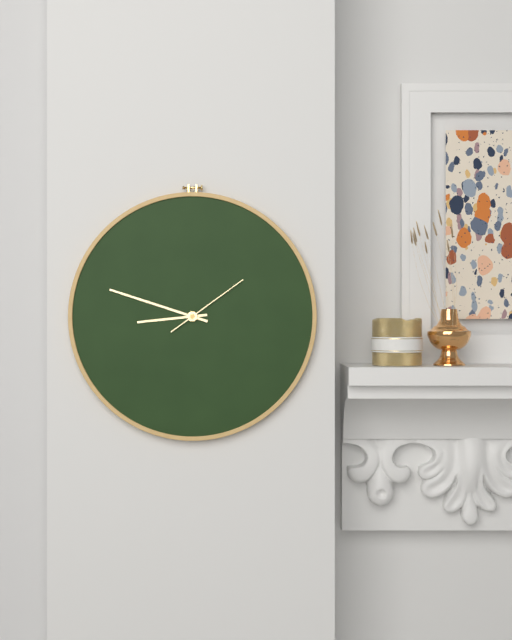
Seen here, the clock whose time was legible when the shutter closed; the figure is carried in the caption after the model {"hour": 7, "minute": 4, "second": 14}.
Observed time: {"hour": 8, "minute": 48, "second": 9}
